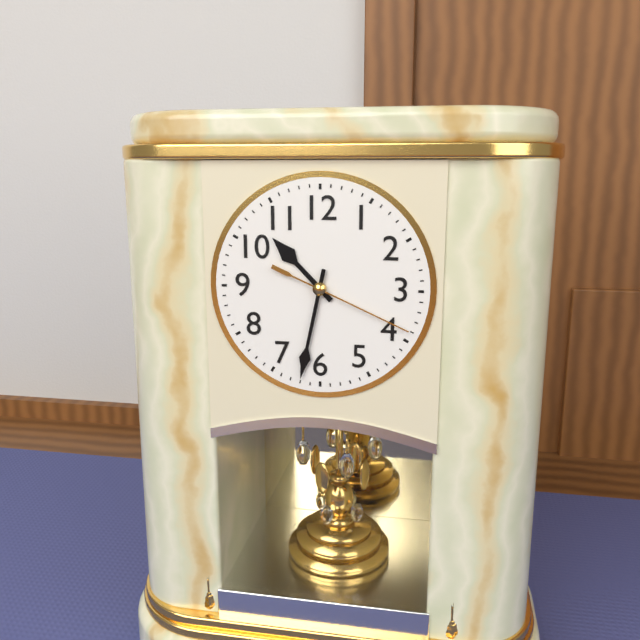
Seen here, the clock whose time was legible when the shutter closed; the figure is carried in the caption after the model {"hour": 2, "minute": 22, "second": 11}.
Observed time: {"hour": 10, "minute": 32, "second": 19}
